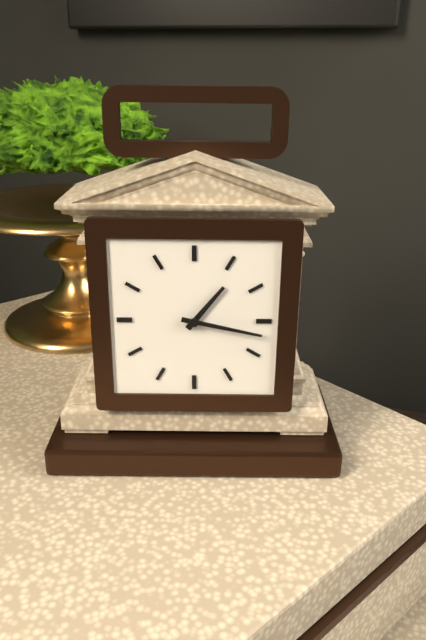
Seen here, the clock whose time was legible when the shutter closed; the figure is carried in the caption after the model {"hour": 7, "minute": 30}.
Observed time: {"hour": 1, "minute": 17}
